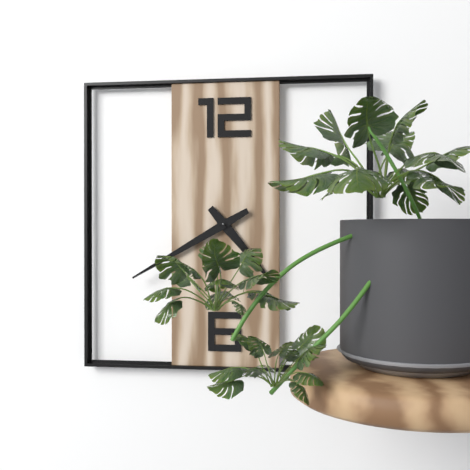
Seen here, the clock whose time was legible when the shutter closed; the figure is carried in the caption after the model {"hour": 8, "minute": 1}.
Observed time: {"hour": 4, "minute": 40}
